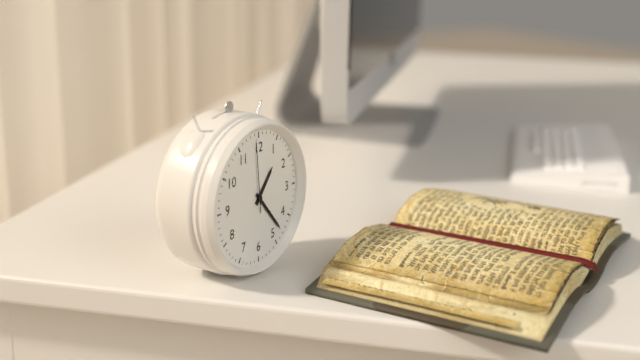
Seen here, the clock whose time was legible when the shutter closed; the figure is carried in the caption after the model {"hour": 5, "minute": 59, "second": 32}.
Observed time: {"hour": 1, "minute": 23, "second": 59}
